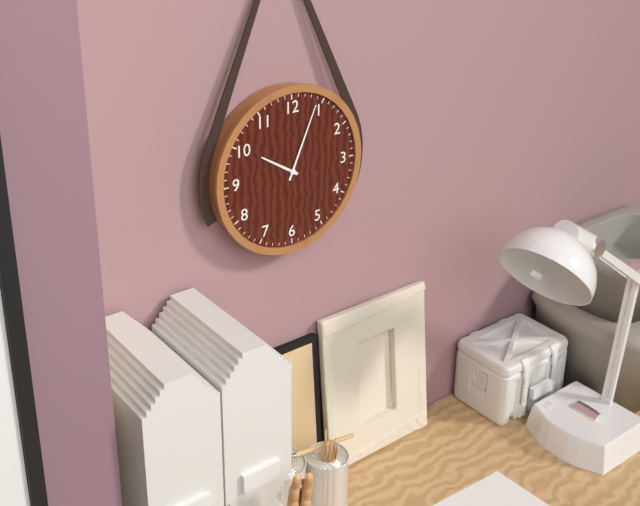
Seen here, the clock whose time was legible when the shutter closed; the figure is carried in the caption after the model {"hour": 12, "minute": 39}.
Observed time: {"hour": 10, "minute": 4}
